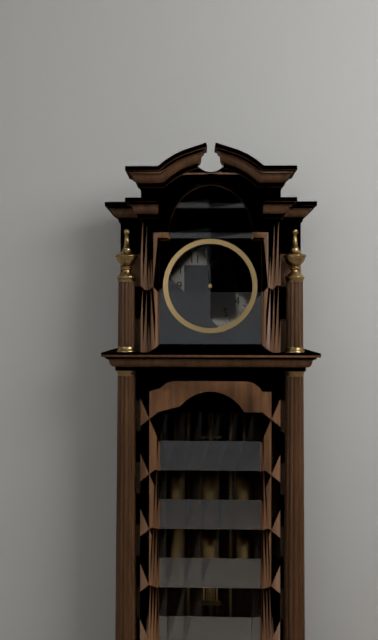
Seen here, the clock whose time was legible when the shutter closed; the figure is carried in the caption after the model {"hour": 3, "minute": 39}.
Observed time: {"hour": 6, "minute": 59}
